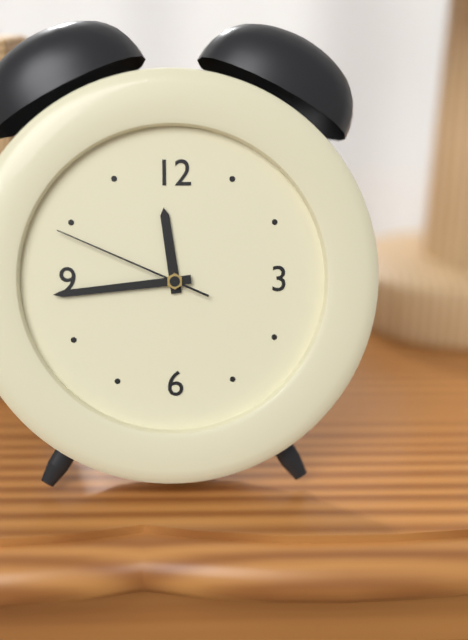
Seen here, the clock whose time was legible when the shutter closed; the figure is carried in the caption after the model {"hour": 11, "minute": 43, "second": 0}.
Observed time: {"hour": 11, "minute": 44, "second": 49}
